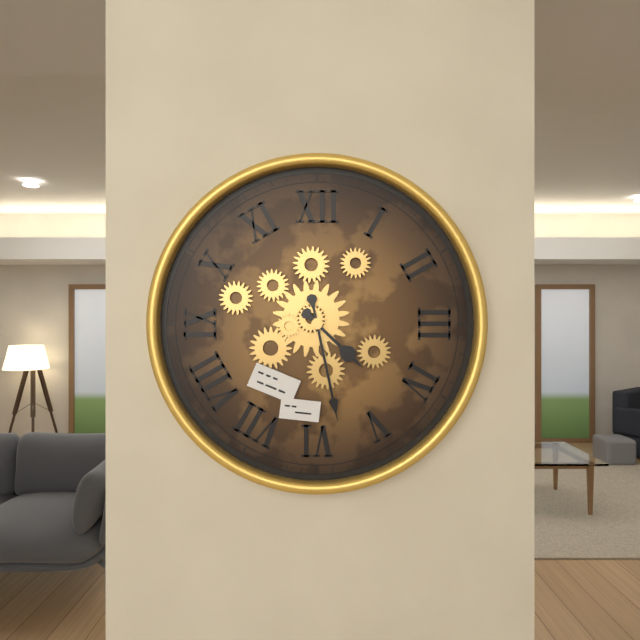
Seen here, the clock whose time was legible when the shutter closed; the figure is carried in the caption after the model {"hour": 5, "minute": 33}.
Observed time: {"hour": 4, "minute": 28}
